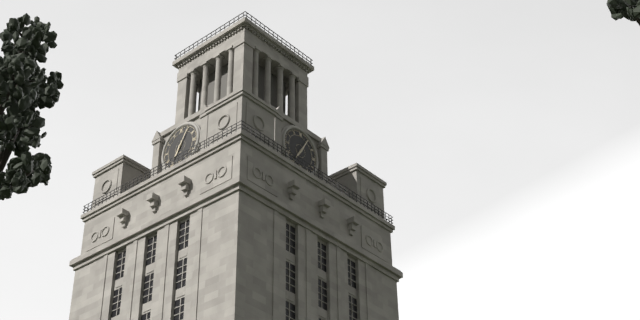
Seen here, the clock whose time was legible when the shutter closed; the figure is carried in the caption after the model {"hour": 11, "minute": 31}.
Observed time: {"hour": 7, "minute": 5}
